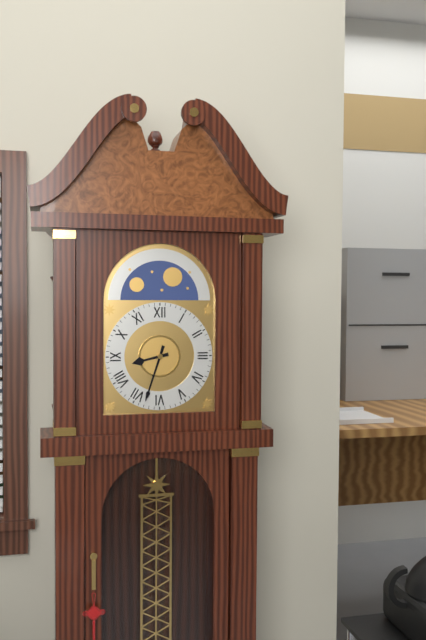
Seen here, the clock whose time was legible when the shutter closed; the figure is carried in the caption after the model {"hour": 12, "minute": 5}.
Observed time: {"hour": 8, "minute": 33}
